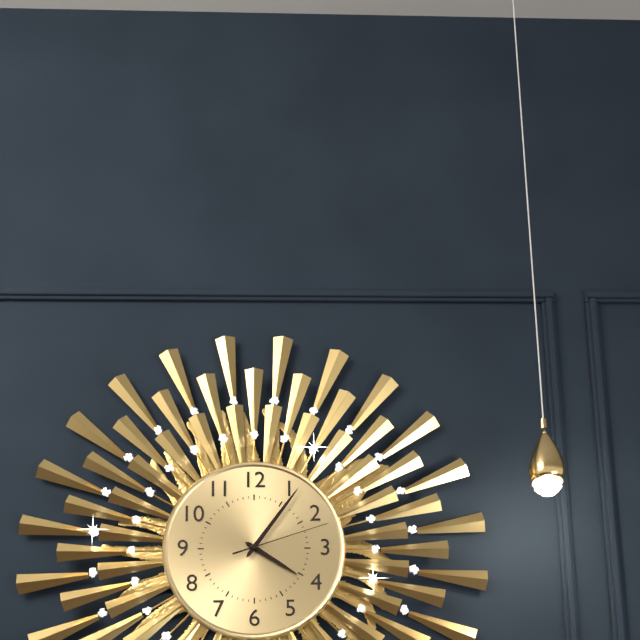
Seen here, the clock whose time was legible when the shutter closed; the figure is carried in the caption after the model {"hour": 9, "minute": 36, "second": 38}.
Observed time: {"hour": 4, "minute": 6, "second": 12}
